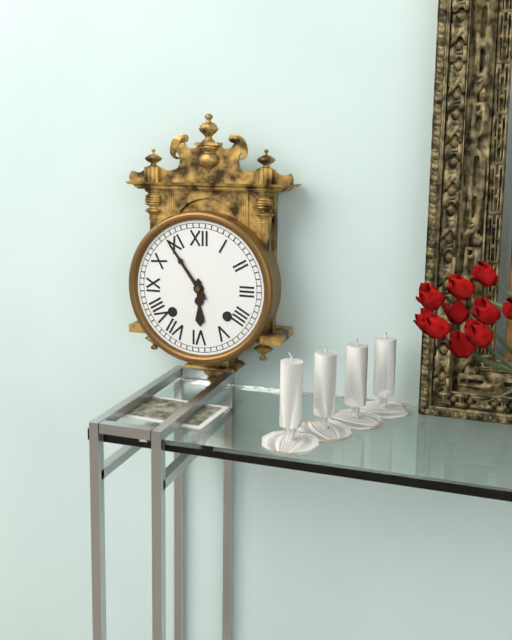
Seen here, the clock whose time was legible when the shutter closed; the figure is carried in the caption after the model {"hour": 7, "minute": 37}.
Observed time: {"hour": 5, "minute": 54}
